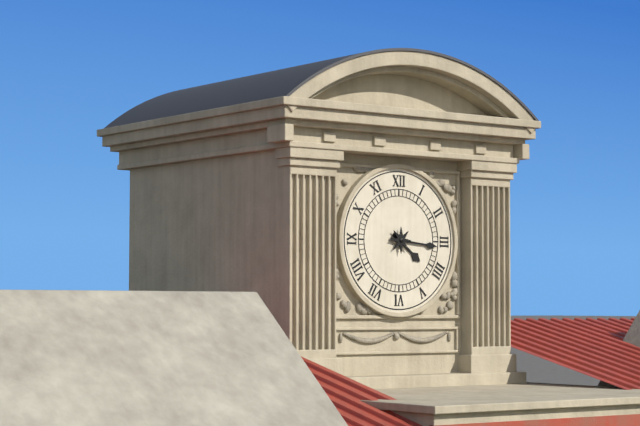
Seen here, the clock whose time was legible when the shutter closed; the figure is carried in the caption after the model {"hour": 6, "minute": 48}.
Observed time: {"hour": 4, "minute": 16}
